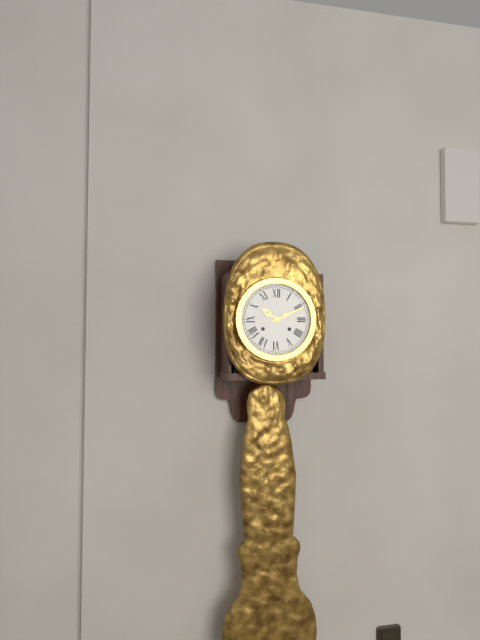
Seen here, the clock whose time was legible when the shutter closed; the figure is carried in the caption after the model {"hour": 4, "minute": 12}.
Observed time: {"hour": 10, "minute": 11}
